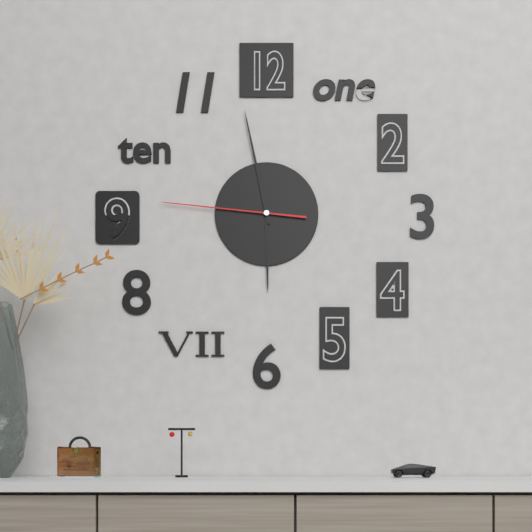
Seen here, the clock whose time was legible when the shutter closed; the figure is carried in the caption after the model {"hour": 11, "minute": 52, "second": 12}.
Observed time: {"hour": 5, "minute": 58, "second": 46}
